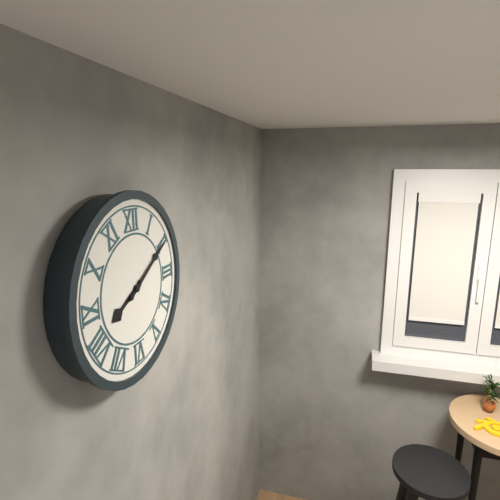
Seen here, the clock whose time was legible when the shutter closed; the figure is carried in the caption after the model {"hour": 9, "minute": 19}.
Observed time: {"hour": 8, "minute": 10}
